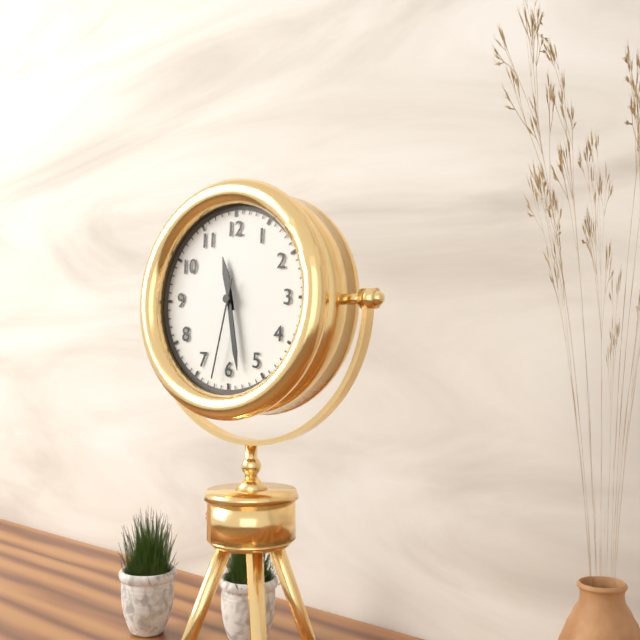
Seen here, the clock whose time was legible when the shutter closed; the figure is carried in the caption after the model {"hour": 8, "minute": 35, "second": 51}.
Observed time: {"hour": 11, "minute": 28, "second": 32}
